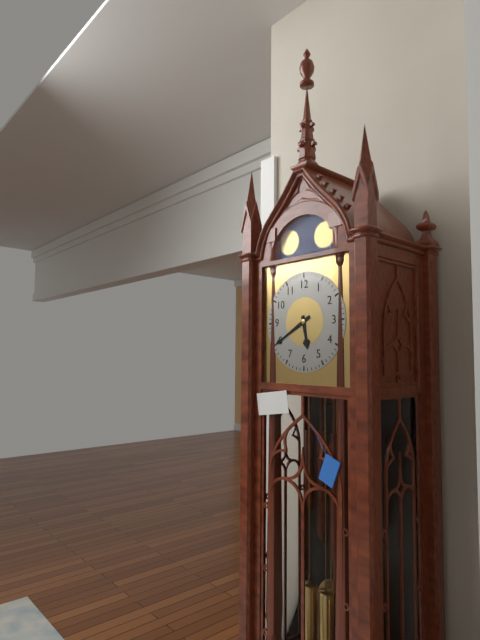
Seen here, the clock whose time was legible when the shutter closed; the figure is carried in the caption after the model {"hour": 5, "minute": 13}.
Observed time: {"hour": 5, "minute": 40}
